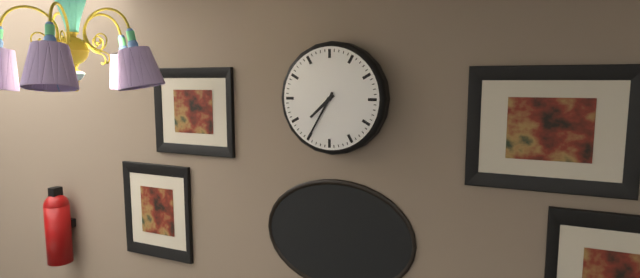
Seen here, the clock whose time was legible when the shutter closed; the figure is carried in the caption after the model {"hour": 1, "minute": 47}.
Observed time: {"hour": 7, "minute": 35}
